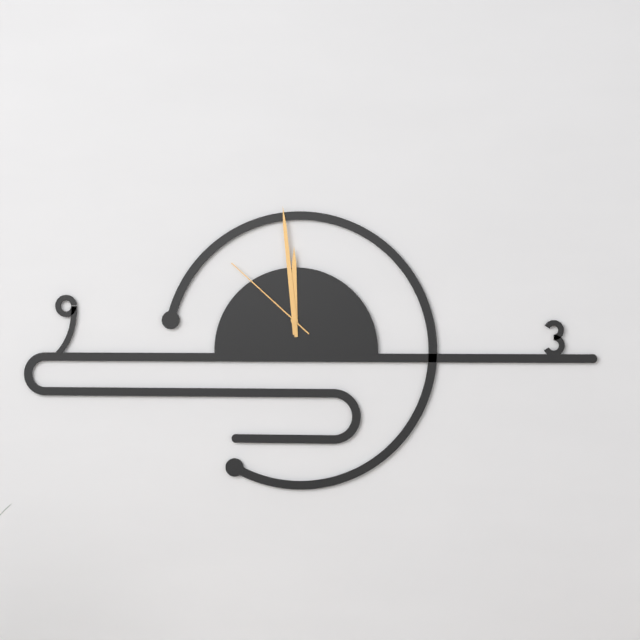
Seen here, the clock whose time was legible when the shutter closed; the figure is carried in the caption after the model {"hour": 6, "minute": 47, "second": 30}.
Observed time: {"hour": 11, "minute": 59, "second": 52}
